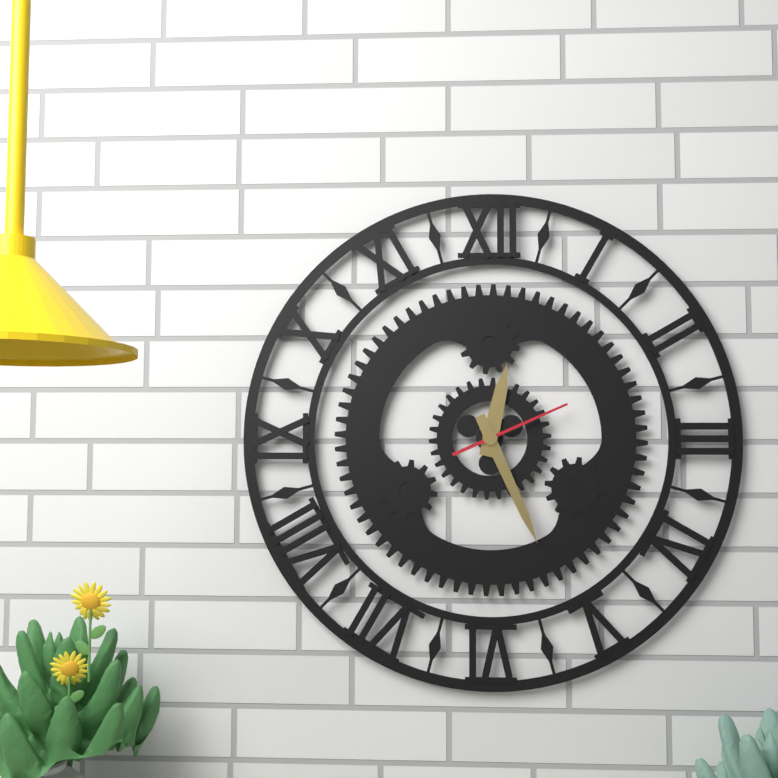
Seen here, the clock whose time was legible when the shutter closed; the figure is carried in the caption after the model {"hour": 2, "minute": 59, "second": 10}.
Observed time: {"hour": 12, "minute": 26, "second": 11}
